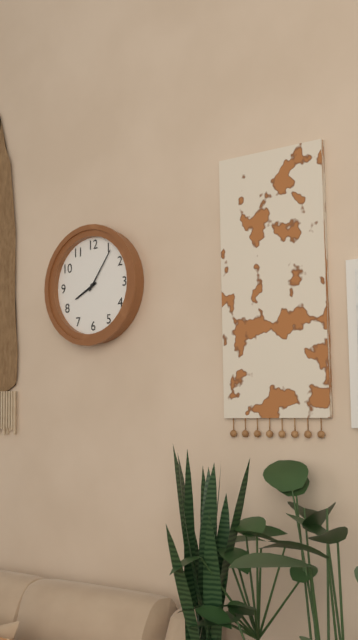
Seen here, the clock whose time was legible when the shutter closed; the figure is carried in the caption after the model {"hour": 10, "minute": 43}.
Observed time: {"hour": 8, "minute": 6}
